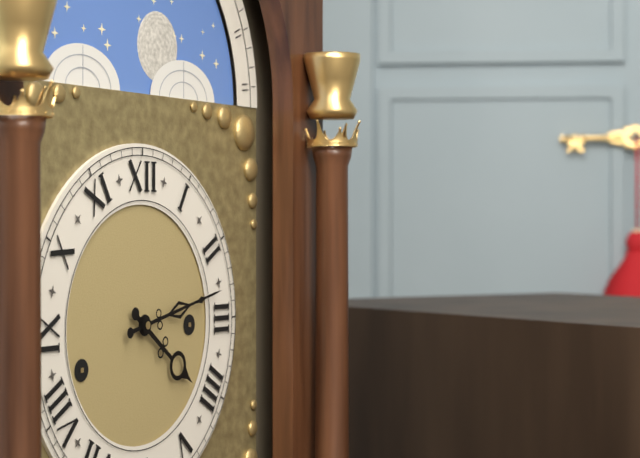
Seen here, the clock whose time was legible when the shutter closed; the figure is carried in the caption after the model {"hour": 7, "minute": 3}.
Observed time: {"hour": 4, "minute": 13}
